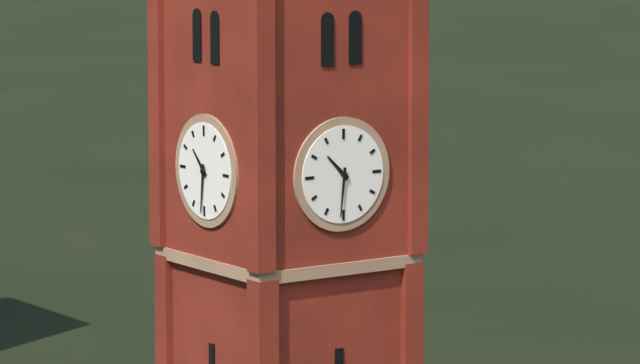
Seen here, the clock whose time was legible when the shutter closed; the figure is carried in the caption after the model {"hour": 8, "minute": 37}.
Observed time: {"hour": 10, "minute": 31}
